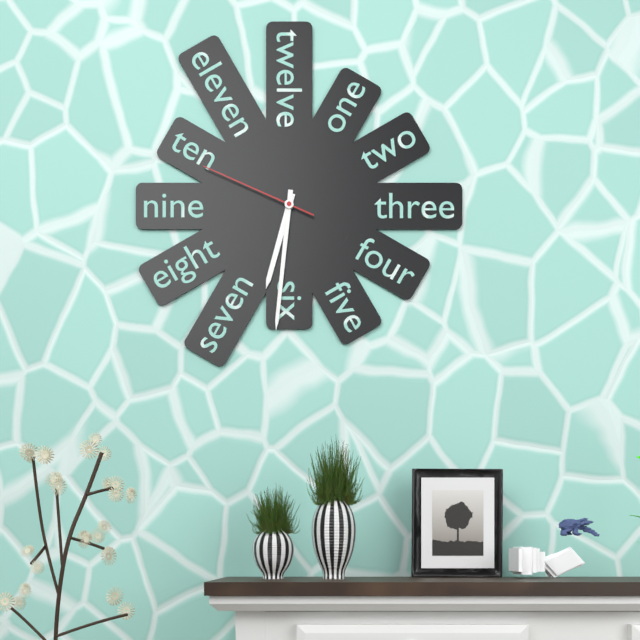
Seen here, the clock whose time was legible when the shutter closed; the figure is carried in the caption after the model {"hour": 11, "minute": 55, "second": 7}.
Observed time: {"hour": 6, "minute": 31, "second": 49}
